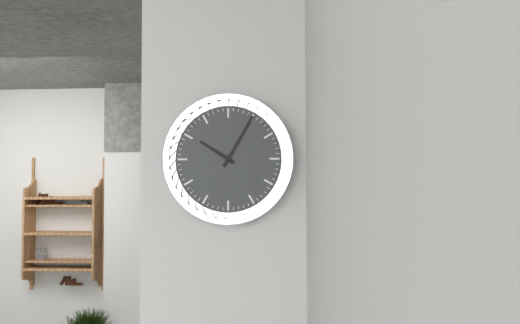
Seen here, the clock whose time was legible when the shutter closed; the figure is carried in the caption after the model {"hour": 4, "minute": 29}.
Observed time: {"hour": 10, "minute": 5}
